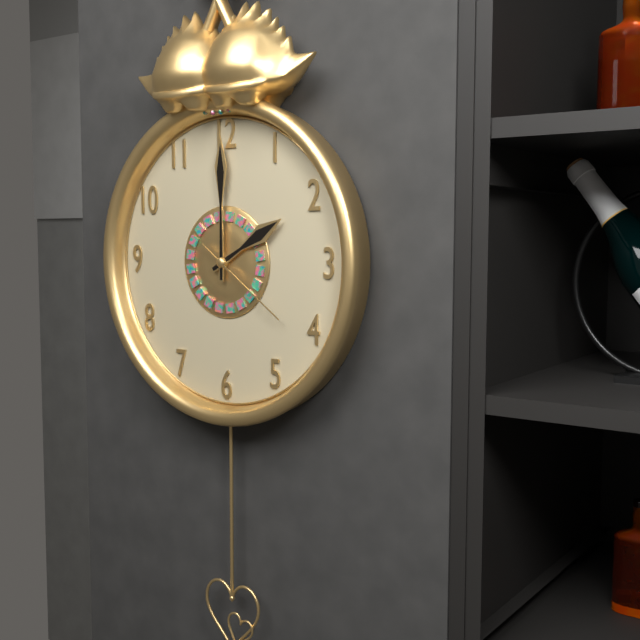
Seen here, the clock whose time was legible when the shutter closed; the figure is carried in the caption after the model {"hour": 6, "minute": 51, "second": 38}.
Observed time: {"hour": 2, "minute": 0, "second": 21}
